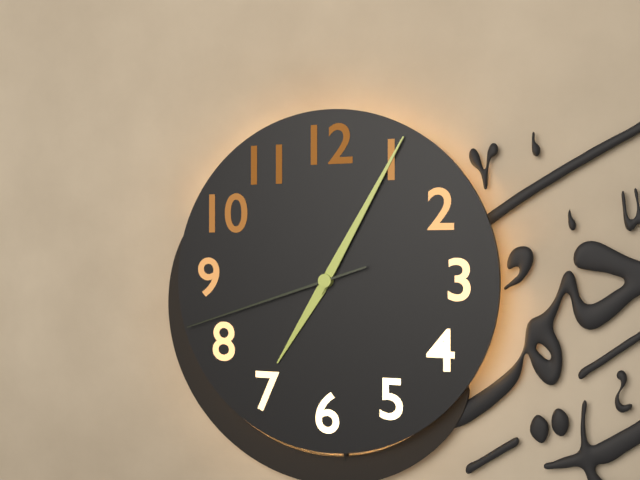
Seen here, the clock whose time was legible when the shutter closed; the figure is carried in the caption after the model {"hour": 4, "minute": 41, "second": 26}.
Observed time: {"hour": 7, "minute": 5, "second": 42}
